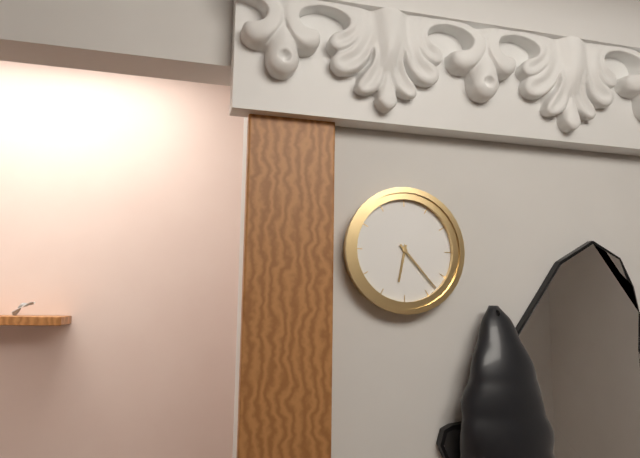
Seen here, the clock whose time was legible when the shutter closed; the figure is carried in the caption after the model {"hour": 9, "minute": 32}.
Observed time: {"hour": 6, "minute": 23}
